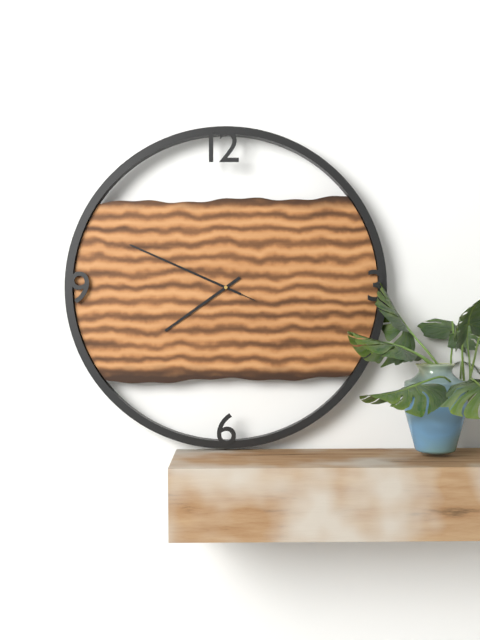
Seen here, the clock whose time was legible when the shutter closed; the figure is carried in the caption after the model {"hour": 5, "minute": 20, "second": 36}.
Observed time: {"hour": 7, "minute": 49, "second": 49}
